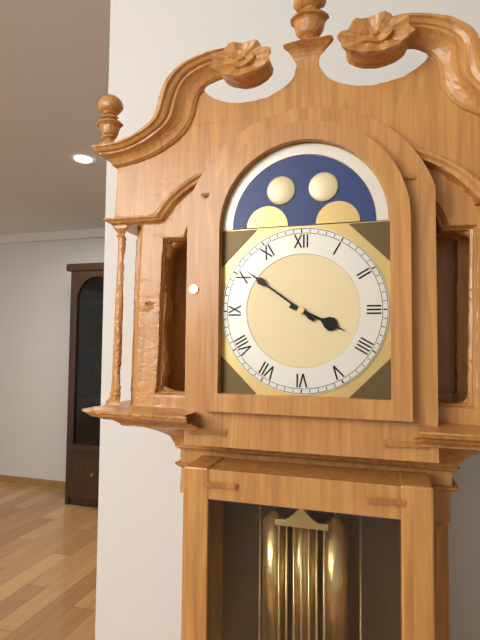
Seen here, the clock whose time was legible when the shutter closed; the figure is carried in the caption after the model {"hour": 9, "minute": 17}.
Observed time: {"hour": 3, "minute": 51}
